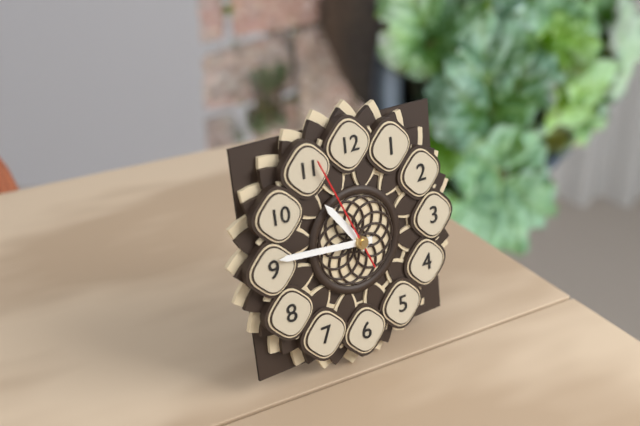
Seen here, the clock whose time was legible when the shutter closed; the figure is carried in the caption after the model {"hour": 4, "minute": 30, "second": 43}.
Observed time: {"hour": 10, "minute": 46, "second": 56}
